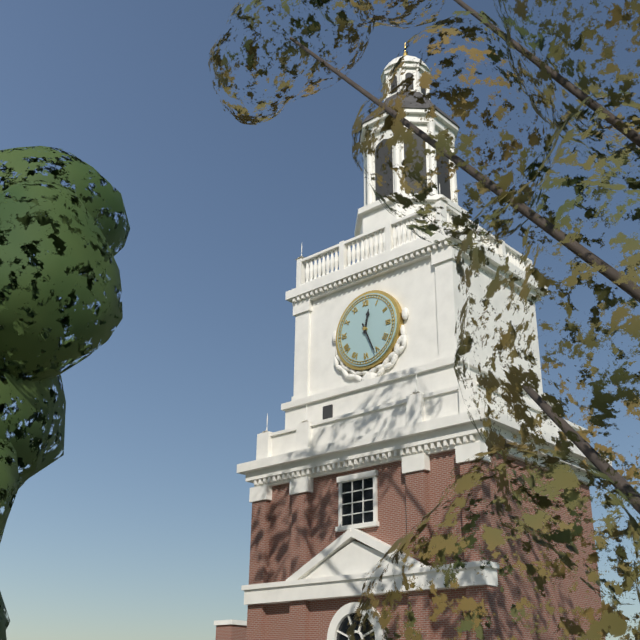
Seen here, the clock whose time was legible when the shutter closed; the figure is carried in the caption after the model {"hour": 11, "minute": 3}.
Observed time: {"hour": 12, "minute": 26}
